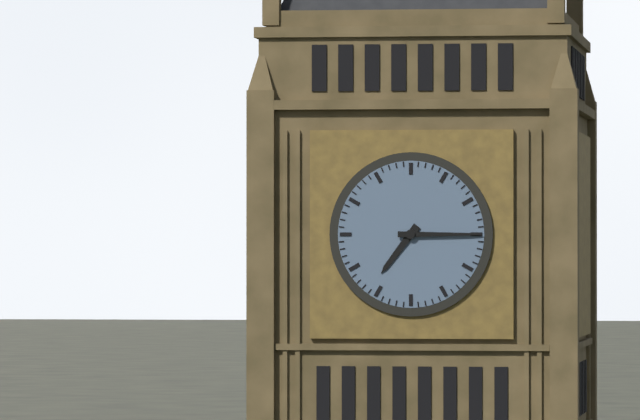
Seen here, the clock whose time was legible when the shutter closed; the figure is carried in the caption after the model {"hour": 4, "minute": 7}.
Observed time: {"hour": 7, "minute": 15}
